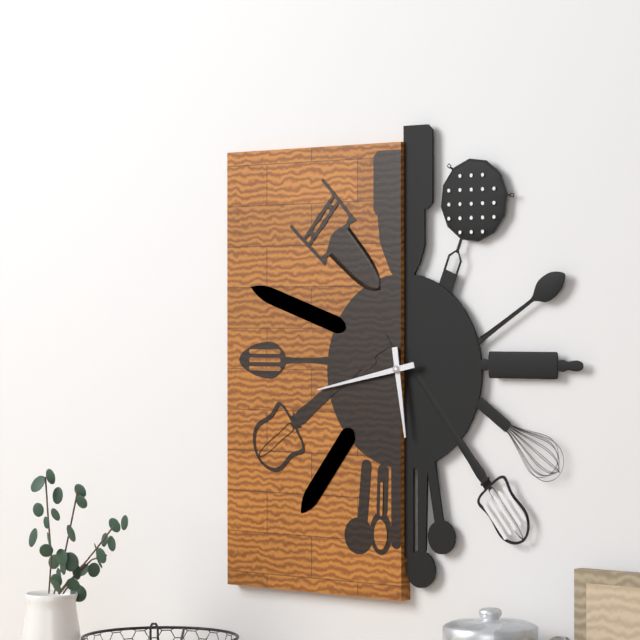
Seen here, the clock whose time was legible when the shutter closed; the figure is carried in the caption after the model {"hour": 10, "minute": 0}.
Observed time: {"hour": 5, "minute": 43}
